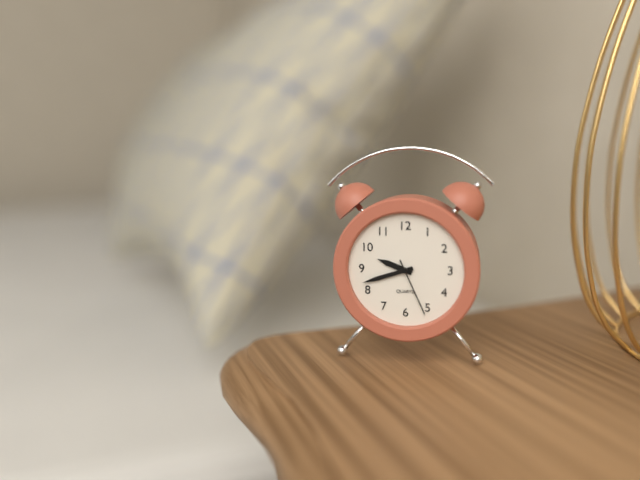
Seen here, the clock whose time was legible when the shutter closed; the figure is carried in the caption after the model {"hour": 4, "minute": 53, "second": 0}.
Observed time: {"hour": 9, "minute": 42, "second": 26}
